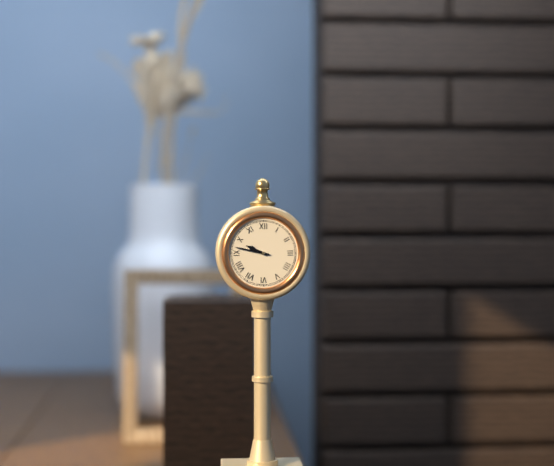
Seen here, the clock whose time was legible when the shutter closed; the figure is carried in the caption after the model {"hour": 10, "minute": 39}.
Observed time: {"hour": 9, "minute": 47}
